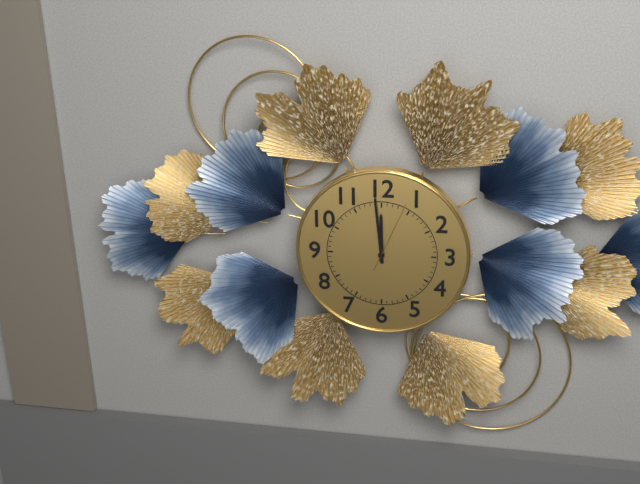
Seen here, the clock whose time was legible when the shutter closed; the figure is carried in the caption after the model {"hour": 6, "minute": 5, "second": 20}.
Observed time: {"hour": 11, "minute": 59, "second": 4}
